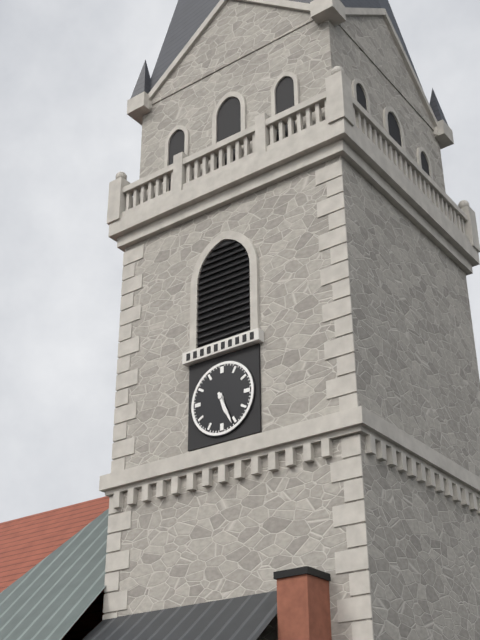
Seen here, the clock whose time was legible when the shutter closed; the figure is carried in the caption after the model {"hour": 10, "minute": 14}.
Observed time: {"hour": 5, "minute": 26}
